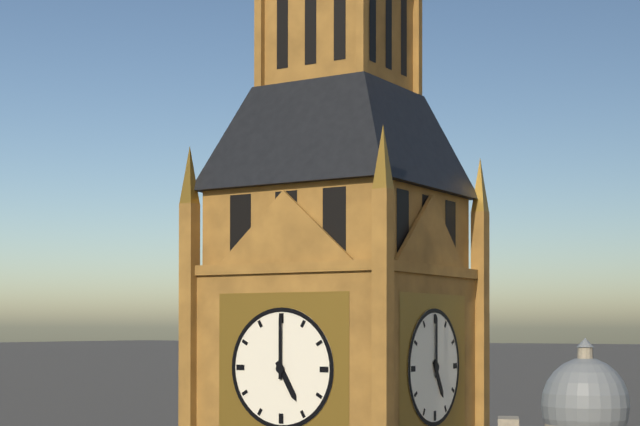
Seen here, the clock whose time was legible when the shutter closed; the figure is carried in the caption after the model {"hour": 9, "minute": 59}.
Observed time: {"hour": 5, "minute": 0}
